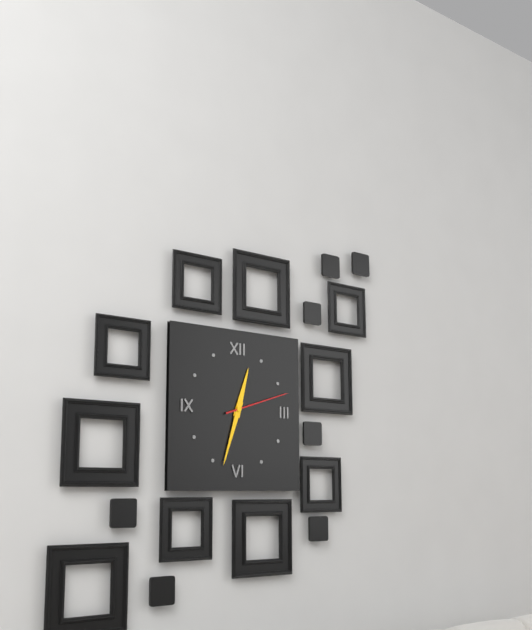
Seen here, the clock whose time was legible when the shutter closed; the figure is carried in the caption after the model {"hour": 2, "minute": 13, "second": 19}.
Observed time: {"hour": 12, "minute": 33, "second": 12}
